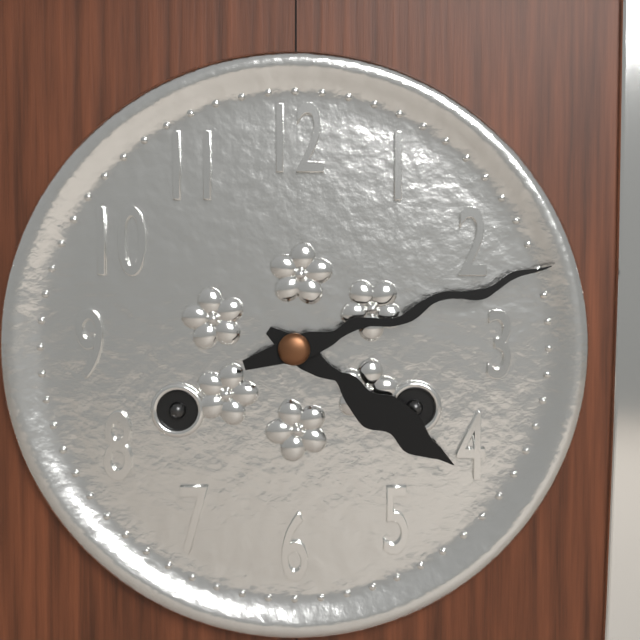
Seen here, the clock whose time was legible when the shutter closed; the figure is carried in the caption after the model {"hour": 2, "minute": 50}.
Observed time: {"hour": 4, "minute": 12}
